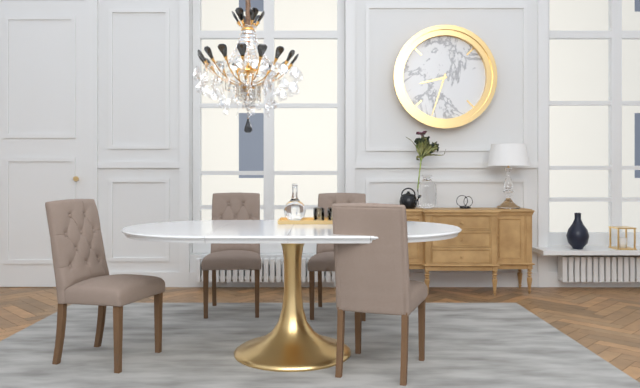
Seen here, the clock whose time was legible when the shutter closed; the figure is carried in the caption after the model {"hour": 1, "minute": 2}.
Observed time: {"hour": 8, "minute": 33}
